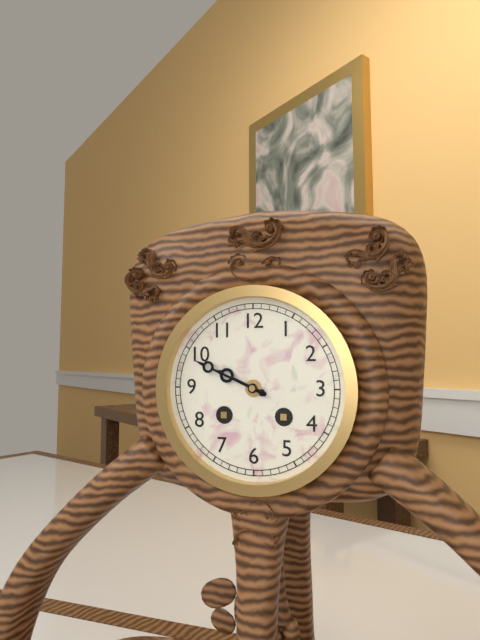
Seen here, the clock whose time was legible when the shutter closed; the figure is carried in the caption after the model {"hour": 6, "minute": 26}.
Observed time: {"hour": 9, "minute": 49}
